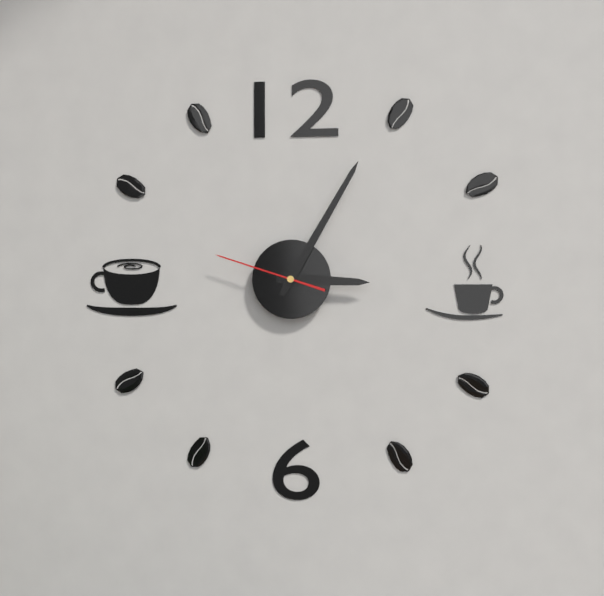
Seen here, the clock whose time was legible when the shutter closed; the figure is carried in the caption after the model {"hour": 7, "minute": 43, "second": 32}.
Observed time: {"hour": 3, "minute": 5, "second": 48}
